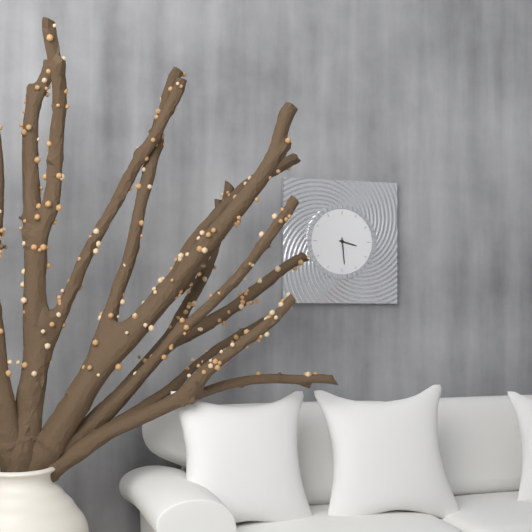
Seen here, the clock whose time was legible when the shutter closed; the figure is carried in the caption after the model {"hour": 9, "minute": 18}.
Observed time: {"hour": 3, "minute": 29}
